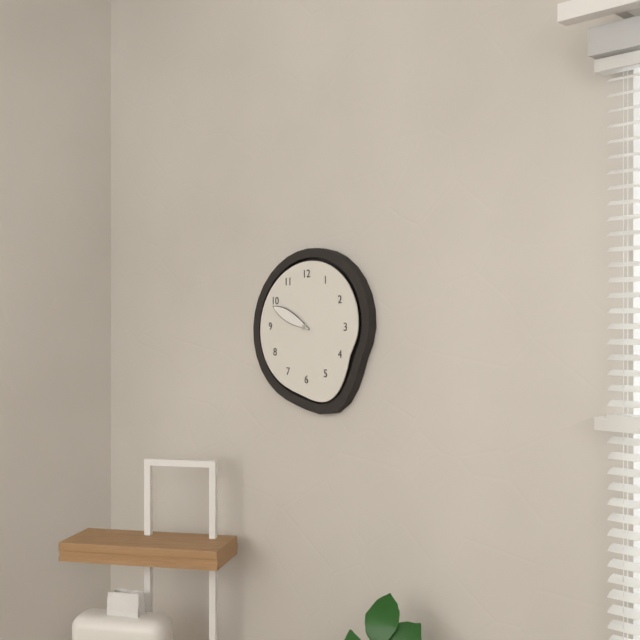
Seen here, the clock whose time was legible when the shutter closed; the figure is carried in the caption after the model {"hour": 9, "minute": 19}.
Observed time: {"hour": 9, "minute": 49}
